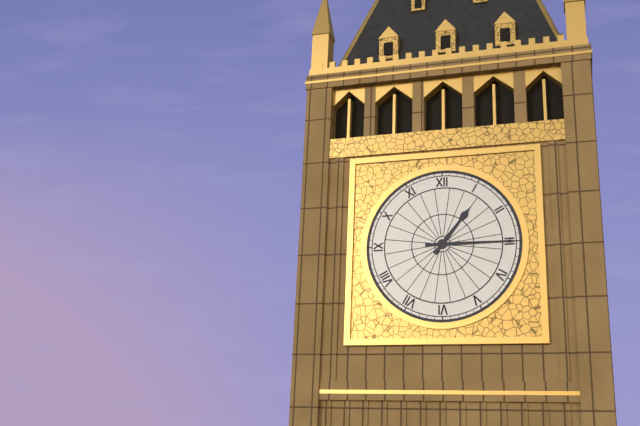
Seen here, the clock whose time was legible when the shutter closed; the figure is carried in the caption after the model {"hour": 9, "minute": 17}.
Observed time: {"hour": 1, "minute": 15}
